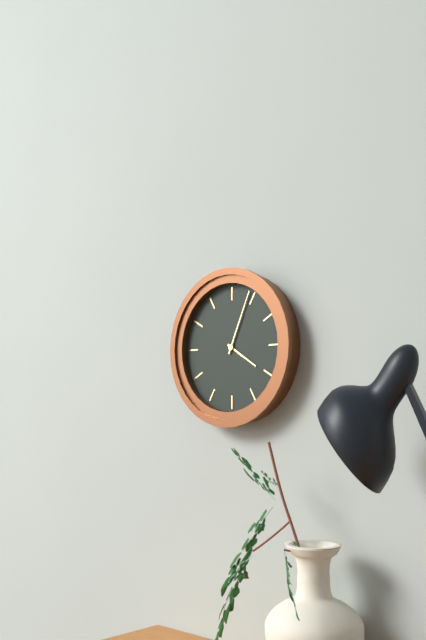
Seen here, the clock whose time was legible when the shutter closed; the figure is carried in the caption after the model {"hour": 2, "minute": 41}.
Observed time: {"hour": 4, "minute": 4}
